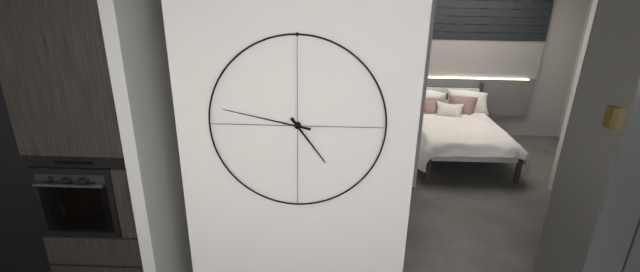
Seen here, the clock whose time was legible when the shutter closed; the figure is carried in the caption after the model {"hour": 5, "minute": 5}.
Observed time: {"hour": 4, "minute": 47}
